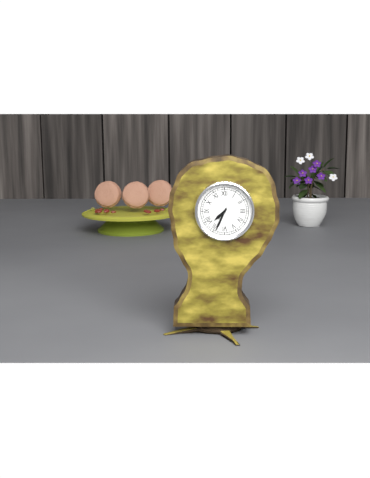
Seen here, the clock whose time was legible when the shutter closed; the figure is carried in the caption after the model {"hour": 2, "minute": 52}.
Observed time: {"hour": 7, "minute": 34}
